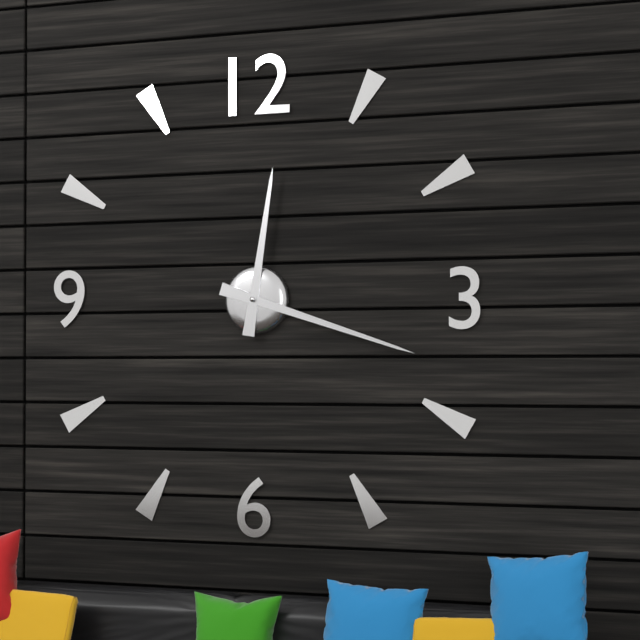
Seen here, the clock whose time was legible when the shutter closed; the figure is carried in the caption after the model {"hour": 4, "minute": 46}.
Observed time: {"hour": 12, "minute": 18}
